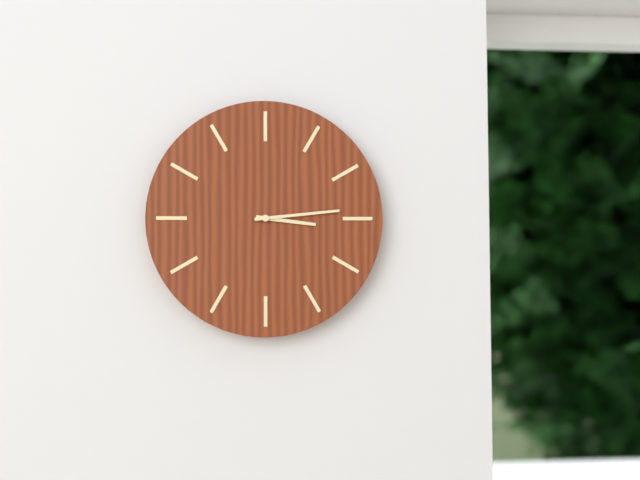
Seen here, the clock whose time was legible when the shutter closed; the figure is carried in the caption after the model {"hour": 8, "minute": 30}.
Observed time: {"hour": 3, "minute": 14}
